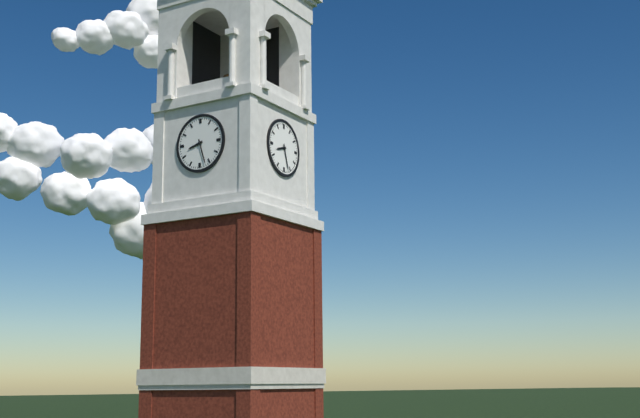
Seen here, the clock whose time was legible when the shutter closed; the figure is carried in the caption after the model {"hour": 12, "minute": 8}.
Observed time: {"hour": 8, "minute": 27}
